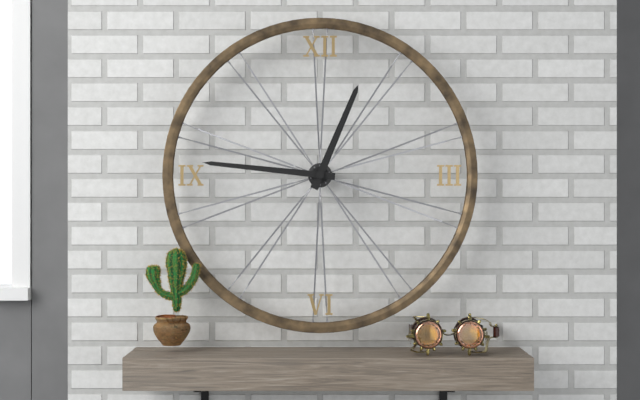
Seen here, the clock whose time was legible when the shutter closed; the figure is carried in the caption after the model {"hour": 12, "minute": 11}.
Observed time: {"hour": 12, "minute": 46}
